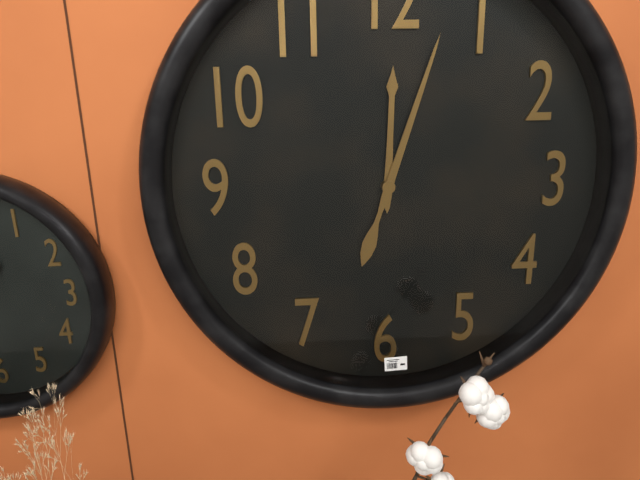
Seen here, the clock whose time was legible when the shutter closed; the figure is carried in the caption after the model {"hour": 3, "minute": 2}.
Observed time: {"hour": 12, "minute": 3}
